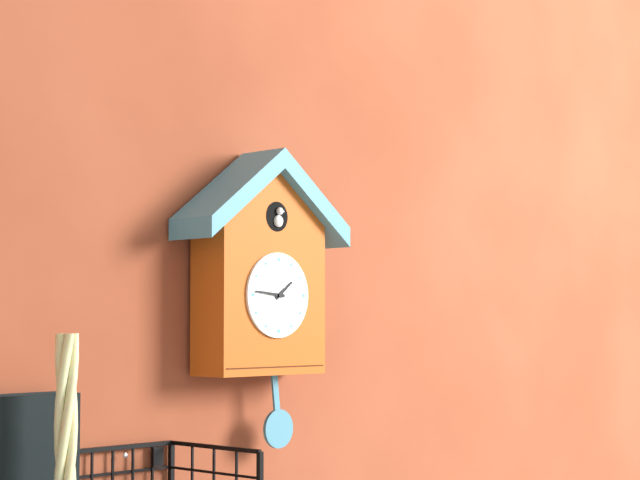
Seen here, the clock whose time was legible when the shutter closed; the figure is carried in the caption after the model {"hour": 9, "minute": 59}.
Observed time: {"hour": 1, "minute": 46}
